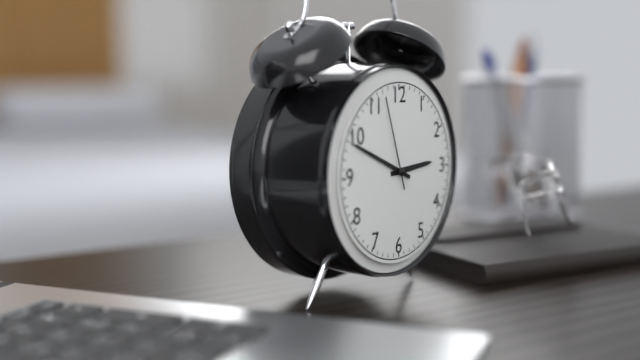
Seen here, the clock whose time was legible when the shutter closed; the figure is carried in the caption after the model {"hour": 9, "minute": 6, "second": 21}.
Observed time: {"hour": 2, "minute": 49, "second": 57}
